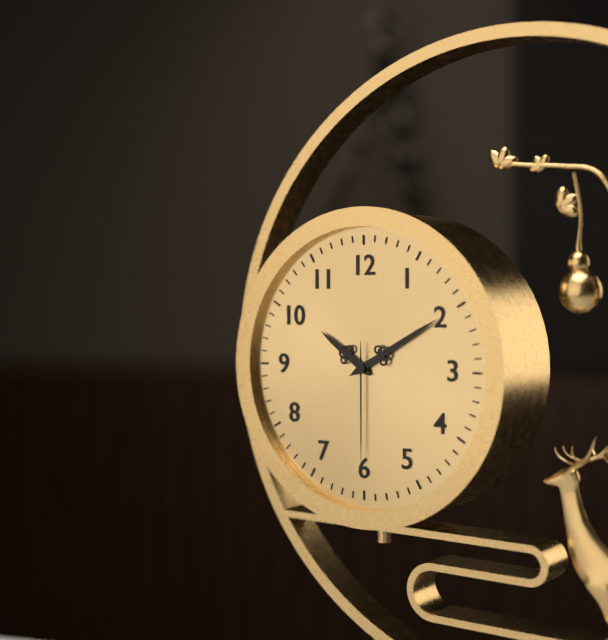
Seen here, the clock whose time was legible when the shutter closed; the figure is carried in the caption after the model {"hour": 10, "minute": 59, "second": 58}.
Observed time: {"hour": 10, "minute": 10, "second": 30}
